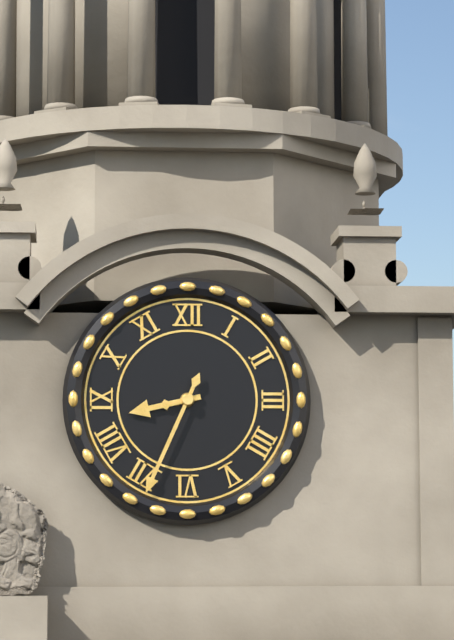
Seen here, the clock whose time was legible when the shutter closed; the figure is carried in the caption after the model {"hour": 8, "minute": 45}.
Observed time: {"hour": 8, "minute": 34}
